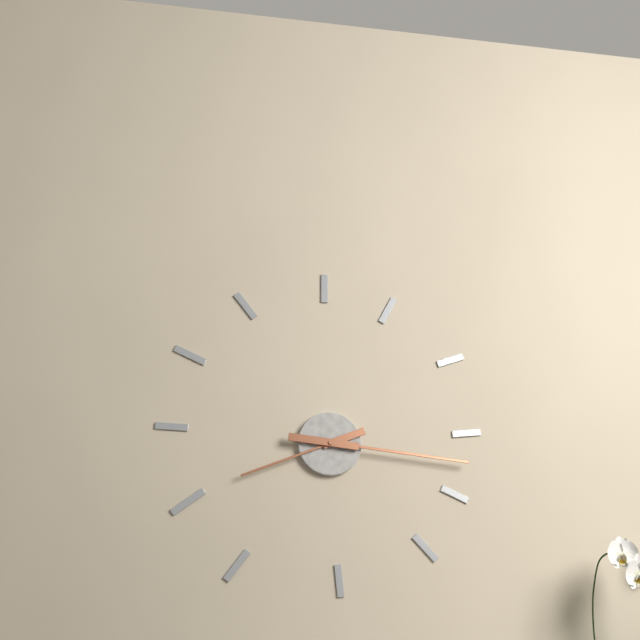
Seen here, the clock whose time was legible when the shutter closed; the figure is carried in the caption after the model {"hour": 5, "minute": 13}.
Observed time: {"hour": 8, "minute": 16}
